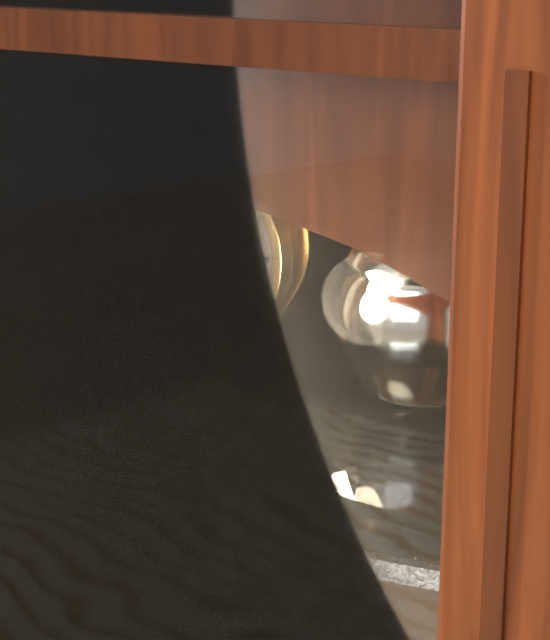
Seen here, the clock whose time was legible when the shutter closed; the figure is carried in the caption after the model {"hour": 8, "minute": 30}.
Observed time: {"hour": 6, "minute": 55}
